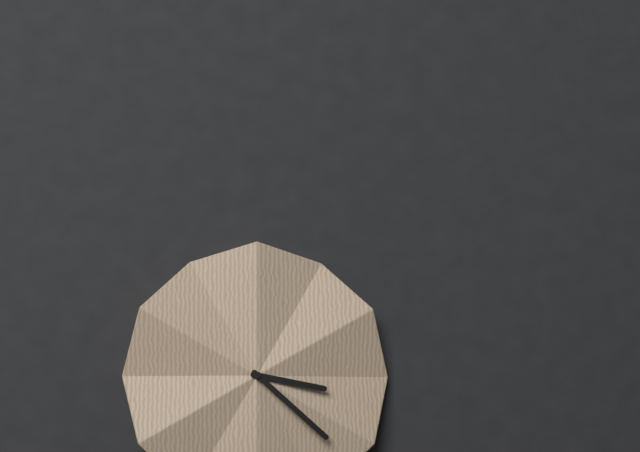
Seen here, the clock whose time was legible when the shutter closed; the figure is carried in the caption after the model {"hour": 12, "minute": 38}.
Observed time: {"hour": 3, "minute": 22}
